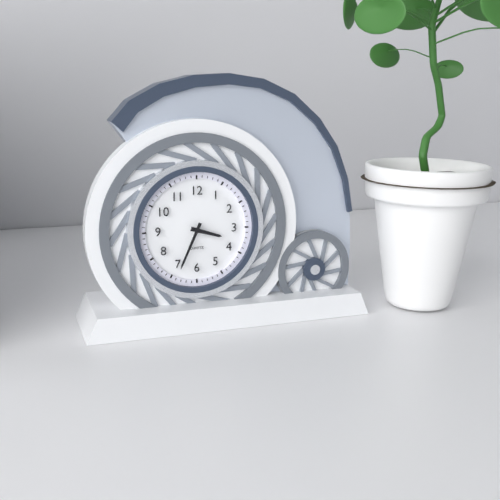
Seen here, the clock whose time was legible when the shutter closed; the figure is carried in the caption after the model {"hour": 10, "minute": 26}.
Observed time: {"hour": 3, "minute": 34}
